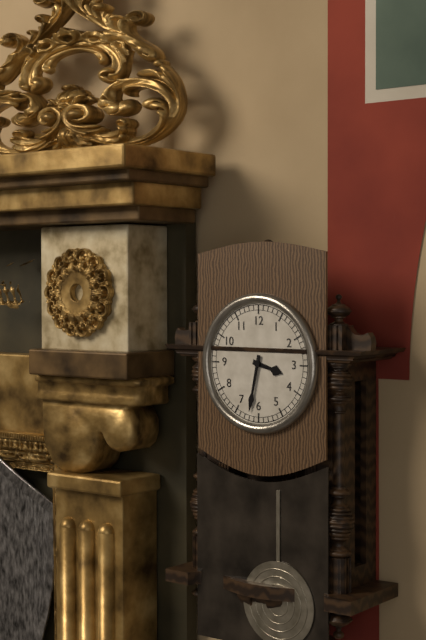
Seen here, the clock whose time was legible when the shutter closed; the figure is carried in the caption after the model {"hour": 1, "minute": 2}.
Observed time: {"hour": 3, "minute": 32}
